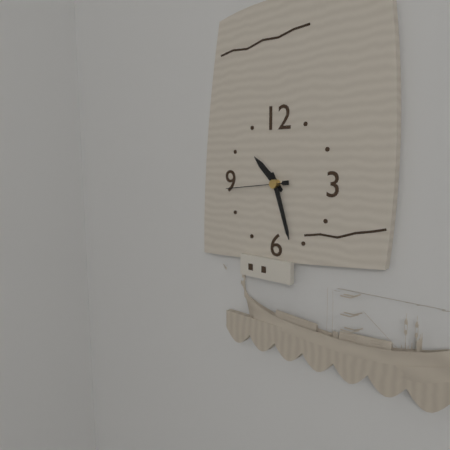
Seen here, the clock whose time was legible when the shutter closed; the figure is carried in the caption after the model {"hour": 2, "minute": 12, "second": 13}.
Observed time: {"hour": 10, "minute": 27, "second": 44}
